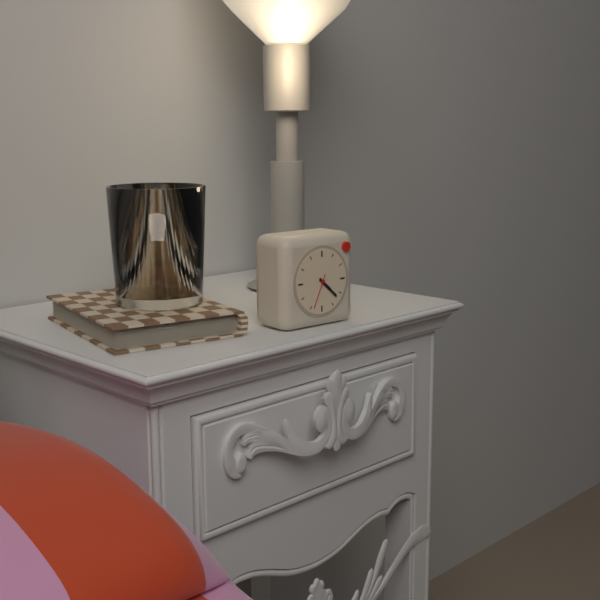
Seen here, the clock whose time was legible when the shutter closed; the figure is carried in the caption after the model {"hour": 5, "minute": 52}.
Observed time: {"hour": 4, "minute": 22}
